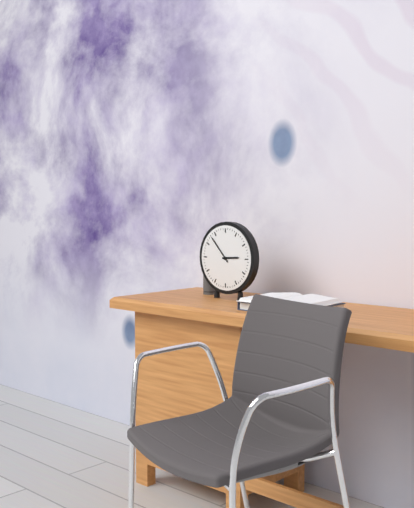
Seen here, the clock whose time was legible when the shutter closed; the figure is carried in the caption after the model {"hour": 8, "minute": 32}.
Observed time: {"hour": 2, "minute": 53}
